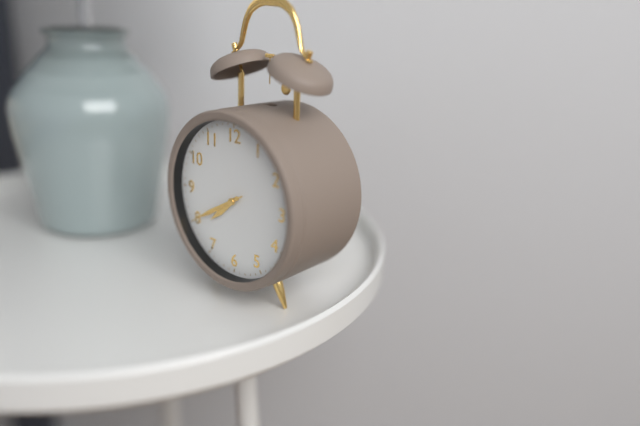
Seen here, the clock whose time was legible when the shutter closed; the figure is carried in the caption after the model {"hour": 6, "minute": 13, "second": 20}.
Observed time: {"hour": 7, "minute": 40, "second": 40}
